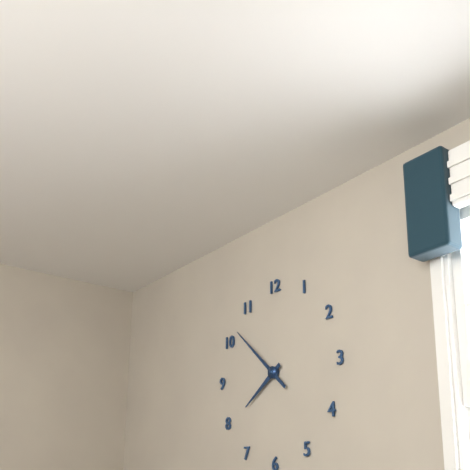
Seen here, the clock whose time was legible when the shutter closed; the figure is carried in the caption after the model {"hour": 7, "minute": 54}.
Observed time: {"hour": 7, "minute": 52}
